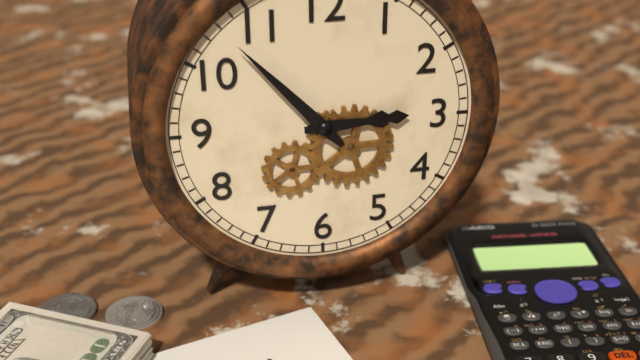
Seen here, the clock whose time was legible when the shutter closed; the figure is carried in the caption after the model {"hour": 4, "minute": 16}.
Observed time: {"hour": 2, "minute": 53}
